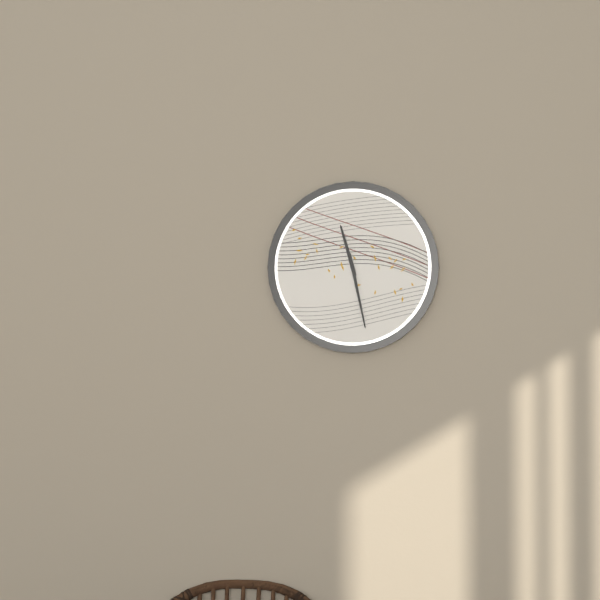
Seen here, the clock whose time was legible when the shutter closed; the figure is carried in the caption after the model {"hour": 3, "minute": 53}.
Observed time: {"hour": 11, "minute": 28}
